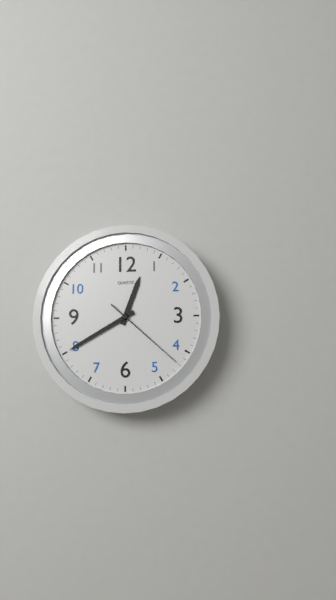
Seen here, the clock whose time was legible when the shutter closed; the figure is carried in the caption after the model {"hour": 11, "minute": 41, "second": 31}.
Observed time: {"hour": 12, "minute": 40, "second": 22}
